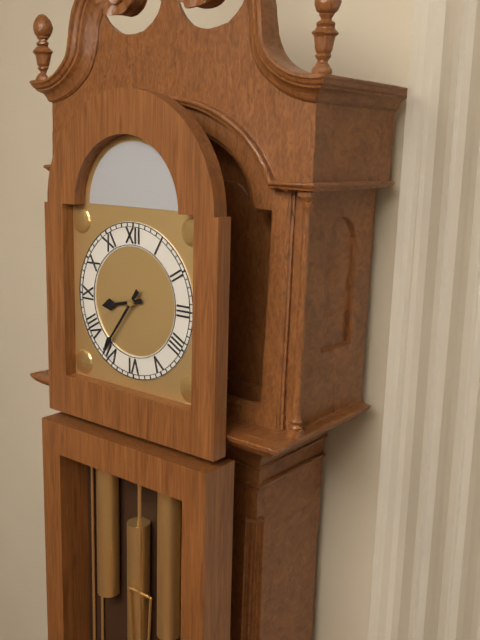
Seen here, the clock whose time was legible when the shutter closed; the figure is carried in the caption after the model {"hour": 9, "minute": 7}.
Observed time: {"hour": 8, "minute": 36}
